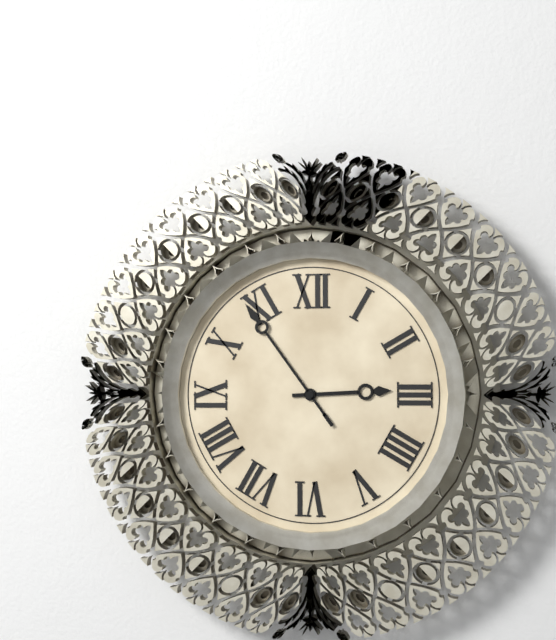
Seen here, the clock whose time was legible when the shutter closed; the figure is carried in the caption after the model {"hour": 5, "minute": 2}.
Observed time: {"hour": 2, "minute": 54}
